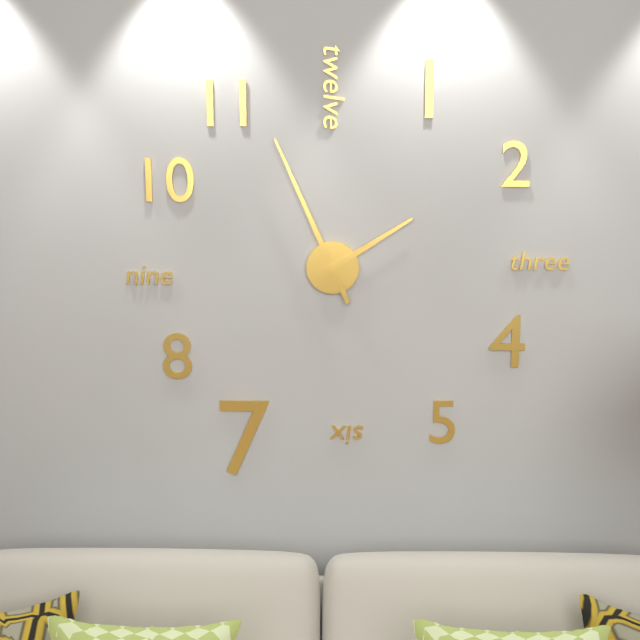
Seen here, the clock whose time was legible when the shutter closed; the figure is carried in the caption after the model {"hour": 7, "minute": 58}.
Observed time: {"hour": 1, "minute": 56}
